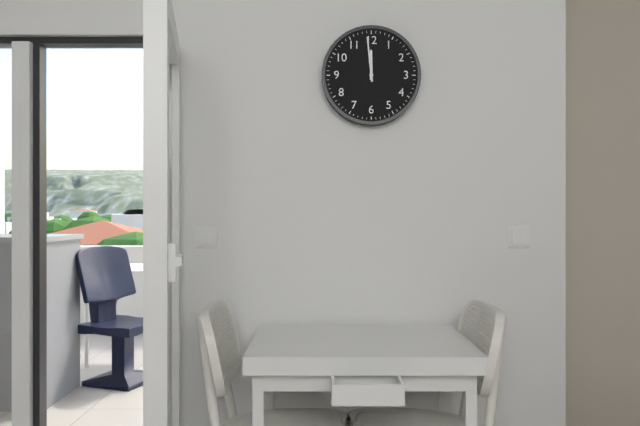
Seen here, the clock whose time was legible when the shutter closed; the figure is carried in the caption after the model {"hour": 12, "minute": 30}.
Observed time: {"hour": 11, "minute": 59}
